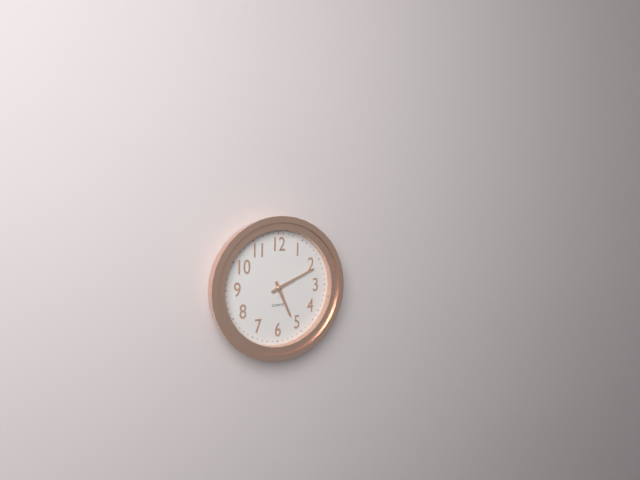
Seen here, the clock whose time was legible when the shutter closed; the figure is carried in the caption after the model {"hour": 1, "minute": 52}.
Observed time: {"hour": 5, "minute": 11}
